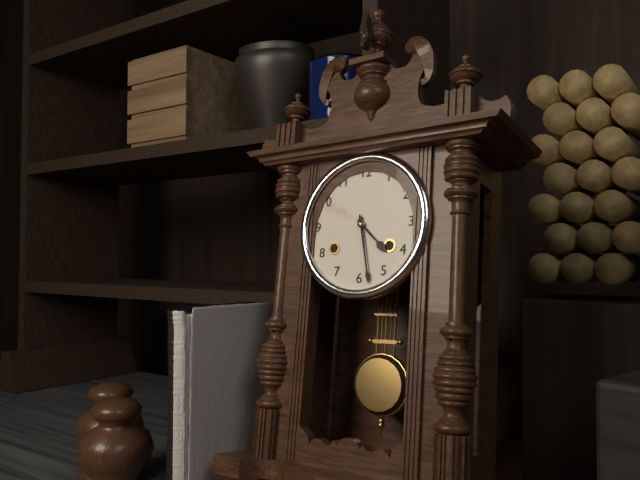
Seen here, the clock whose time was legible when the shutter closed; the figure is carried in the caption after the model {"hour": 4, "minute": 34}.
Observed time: {"hour": 4, "minute": 28}
